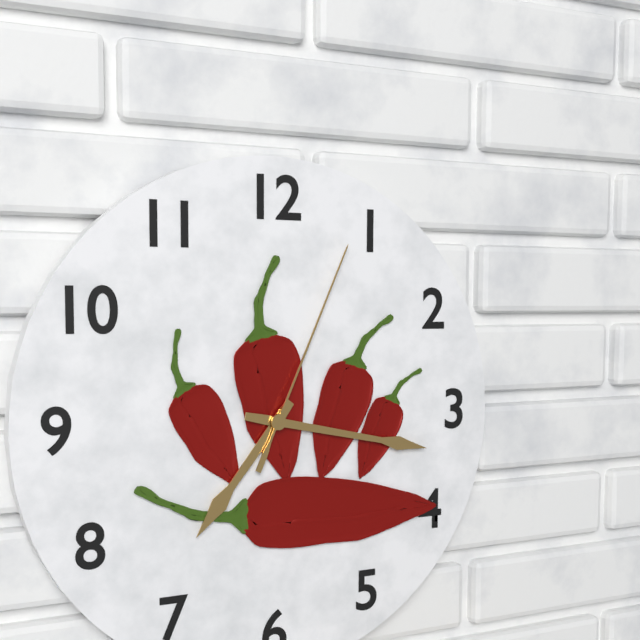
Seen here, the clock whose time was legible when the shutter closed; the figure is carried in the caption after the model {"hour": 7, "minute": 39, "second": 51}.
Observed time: {"hour": 7, "minute": 17, "second": 4}
